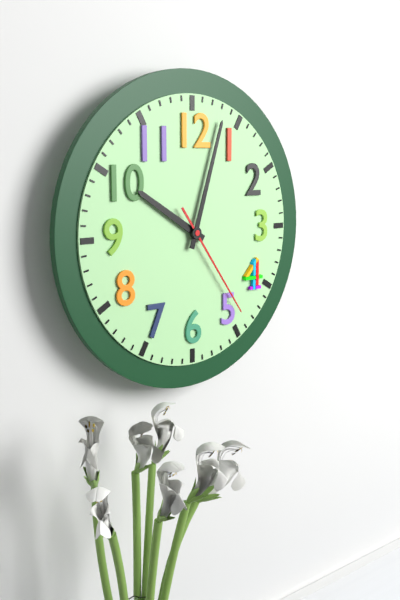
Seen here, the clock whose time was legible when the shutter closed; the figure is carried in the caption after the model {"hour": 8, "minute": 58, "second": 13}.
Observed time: {"hour": 10, "minute": 3, "second": 24}
